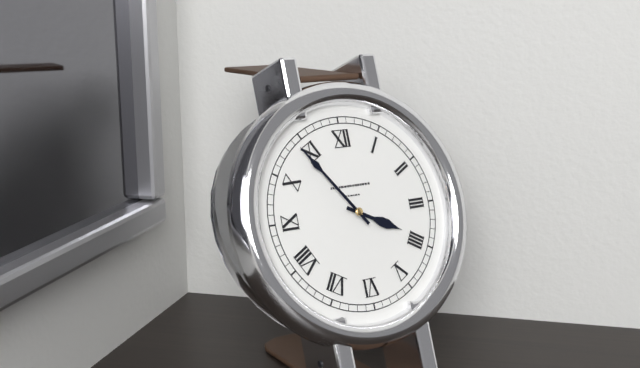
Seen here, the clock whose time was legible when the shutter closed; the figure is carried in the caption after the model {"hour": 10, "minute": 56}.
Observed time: {"hour": 3, "minute": 54}
